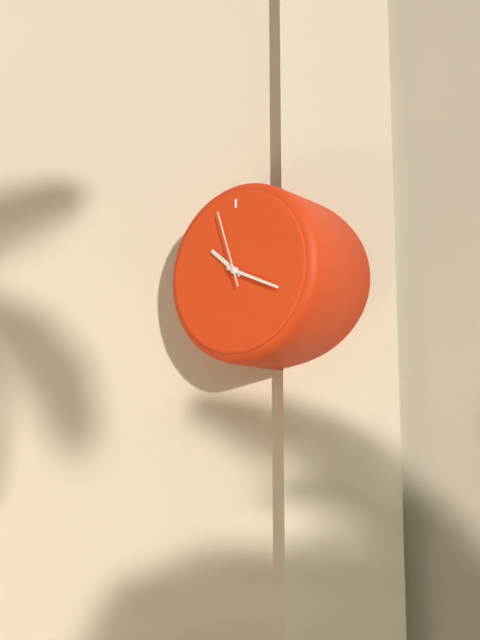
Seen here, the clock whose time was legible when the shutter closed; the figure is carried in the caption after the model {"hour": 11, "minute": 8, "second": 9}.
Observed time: {"hour": 10, "minute": 19, "second": 57}
